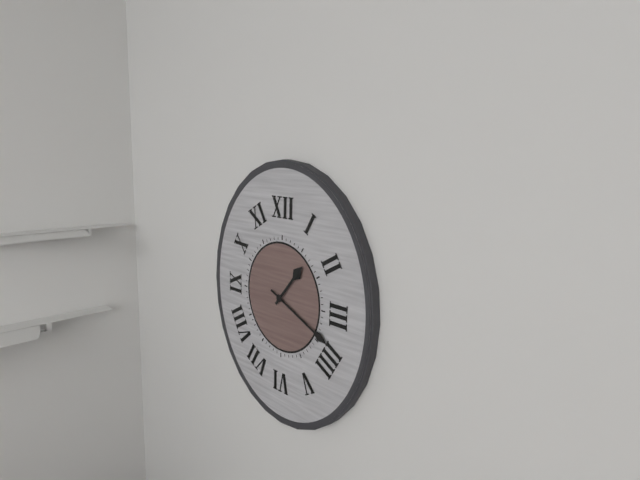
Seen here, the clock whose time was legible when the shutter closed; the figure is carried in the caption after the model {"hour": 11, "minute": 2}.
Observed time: {"hour": 1, "minute": 19}
